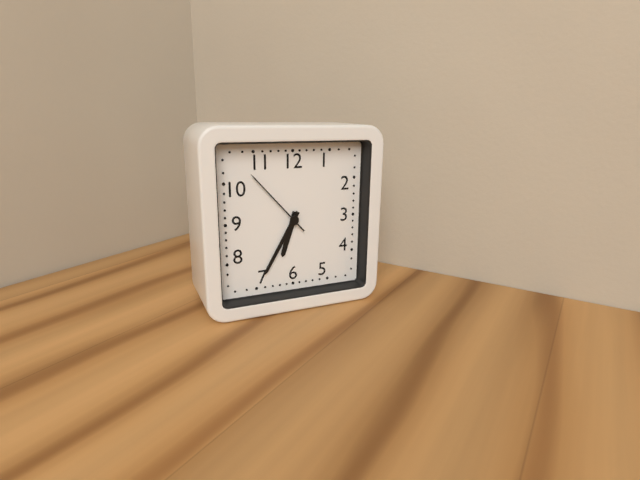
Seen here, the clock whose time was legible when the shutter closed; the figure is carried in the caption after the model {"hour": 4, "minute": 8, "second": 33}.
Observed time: {"hour": 6, "minute": 35, "second": 53}
